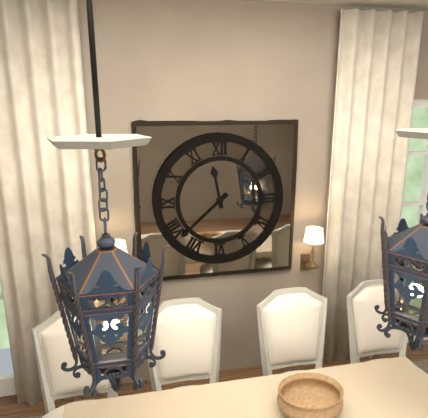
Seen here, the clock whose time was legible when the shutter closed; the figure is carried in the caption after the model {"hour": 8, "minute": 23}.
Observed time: {"hour": 11, "minute": 38}
